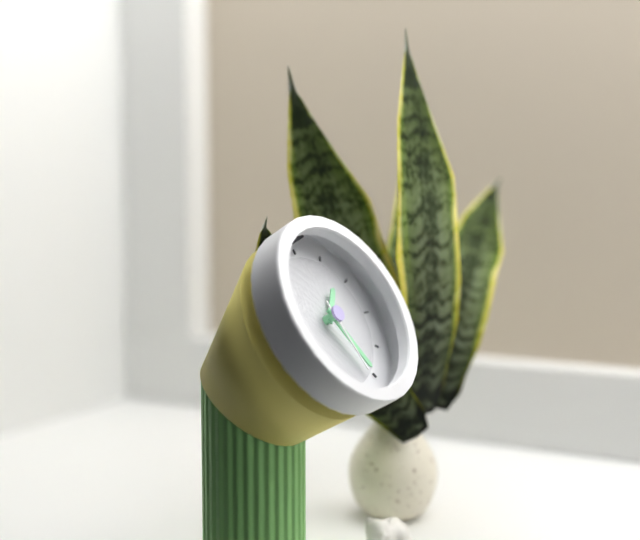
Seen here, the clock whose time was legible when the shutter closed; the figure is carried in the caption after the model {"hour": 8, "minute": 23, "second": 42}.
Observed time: {"hour": 1, "minute": 26, "second": 28}
